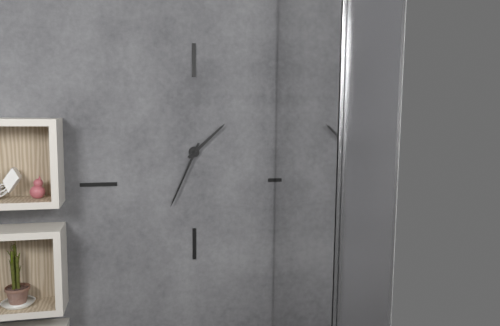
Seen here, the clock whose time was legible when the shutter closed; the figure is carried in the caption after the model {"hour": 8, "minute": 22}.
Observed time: {"hour": 1, "minute": 34}
